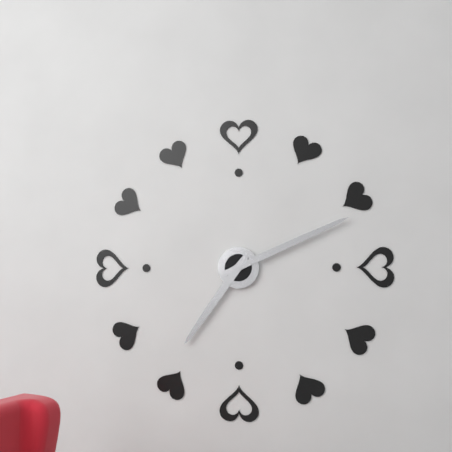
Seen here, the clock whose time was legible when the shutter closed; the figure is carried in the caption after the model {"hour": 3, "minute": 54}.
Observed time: {"hour": 7, "minute": 11}
